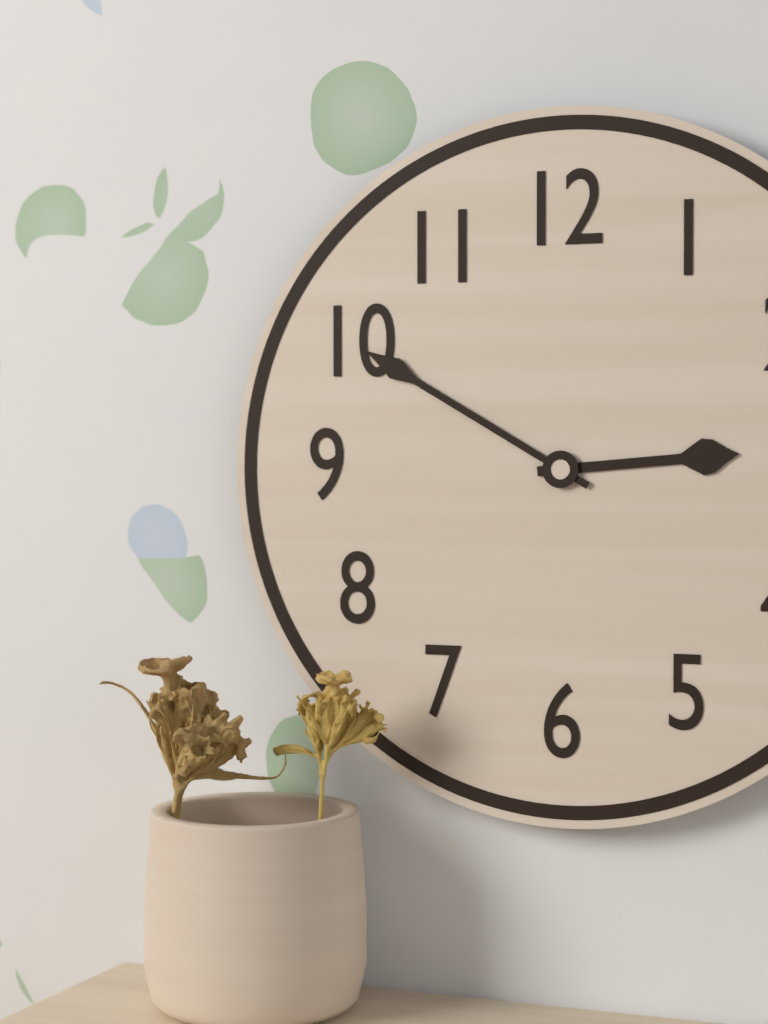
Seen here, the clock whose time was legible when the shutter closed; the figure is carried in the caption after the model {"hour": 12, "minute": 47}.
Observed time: {"hour": 2, "minute": 50}
